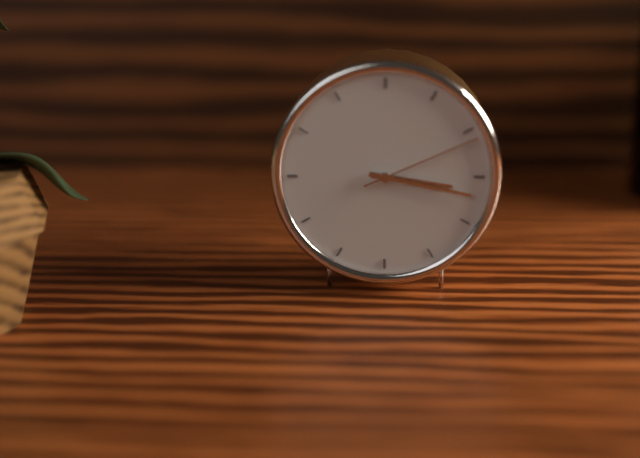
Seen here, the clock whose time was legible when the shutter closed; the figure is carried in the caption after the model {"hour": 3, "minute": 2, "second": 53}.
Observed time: {"hour": 3, "minute": 17, "second": 11}
